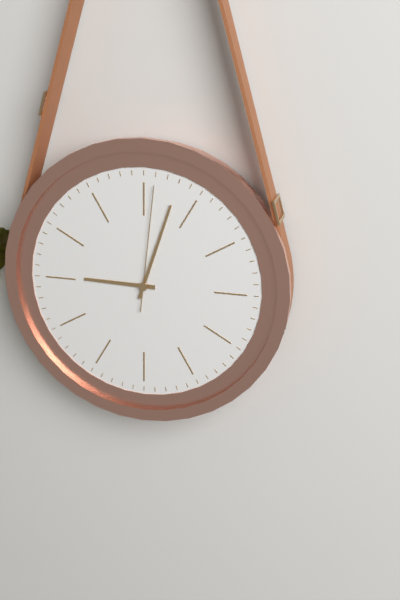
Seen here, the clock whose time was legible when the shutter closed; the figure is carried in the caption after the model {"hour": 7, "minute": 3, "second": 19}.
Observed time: {"hour": 9, "minute": 3, "second": 1}
